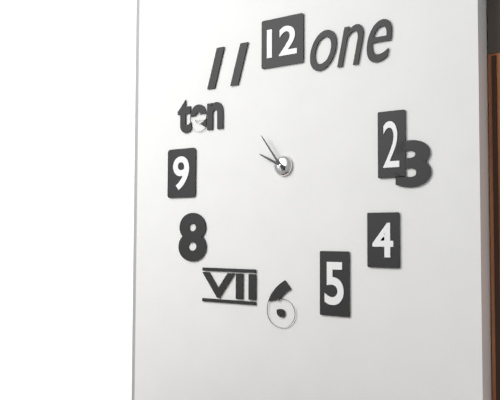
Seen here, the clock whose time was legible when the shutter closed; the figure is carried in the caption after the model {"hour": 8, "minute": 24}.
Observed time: {"hour": 9, "minute": 54}
